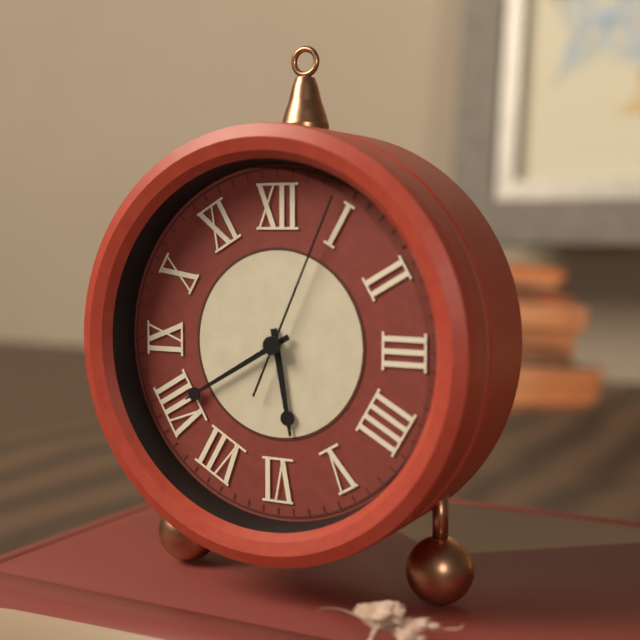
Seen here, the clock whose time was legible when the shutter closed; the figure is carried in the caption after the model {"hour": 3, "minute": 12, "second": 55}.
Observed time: {"hour": 5, "minute": 40, "second": 4}
